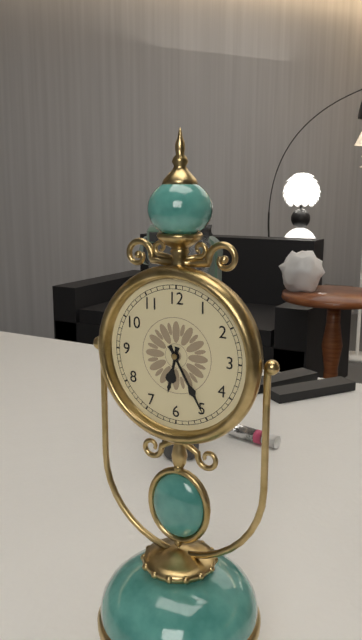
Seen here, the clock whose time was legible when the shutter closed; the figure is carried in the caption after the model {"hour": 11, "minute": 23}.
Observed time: {"hour": 6, "minute": 25}
